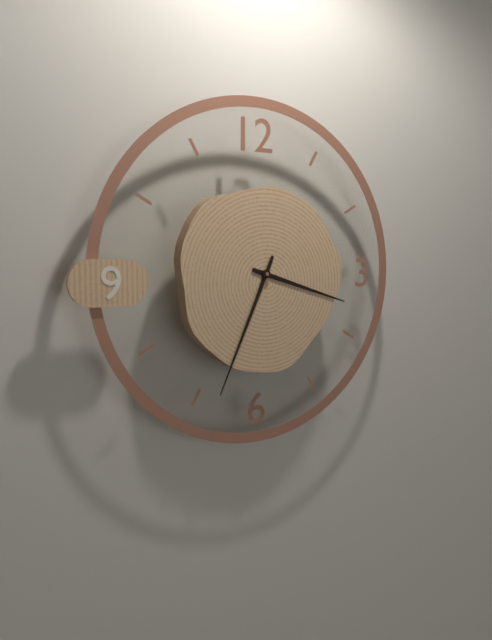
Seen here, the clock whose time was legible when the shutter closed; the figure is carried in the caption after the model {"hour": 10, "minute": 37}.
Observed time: {"hour": 3, "minute": 34}
